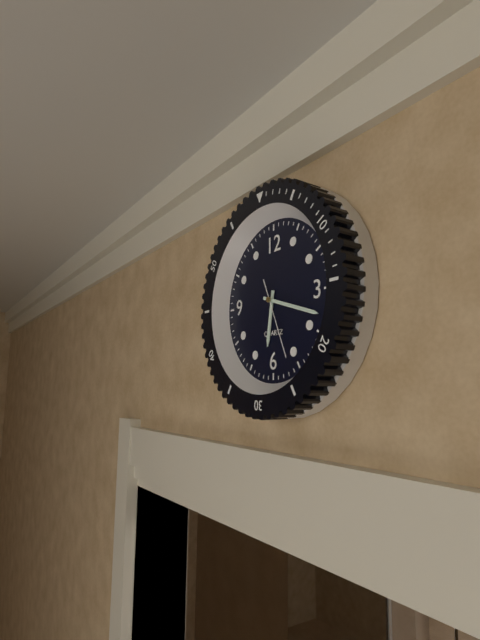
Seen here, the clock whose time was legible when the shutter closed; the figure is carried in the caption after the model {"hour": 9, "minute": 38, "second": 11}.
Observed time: {"hour": 6, "minute": 18, "second": 26}
